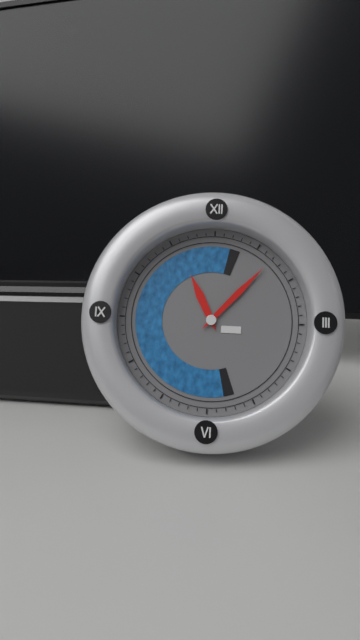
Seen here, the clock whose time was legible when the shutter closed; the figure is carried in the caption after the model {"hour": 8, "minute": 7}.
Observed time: {"hour": 11, "minute": 7}
